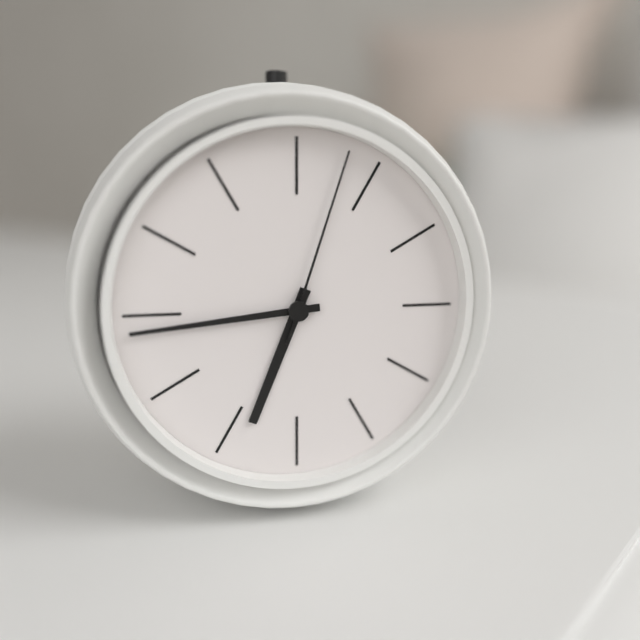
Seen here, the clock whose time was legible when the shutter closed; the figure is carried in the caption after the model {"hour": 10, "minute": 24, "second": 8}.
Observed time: {"hour": 6, "minute": 44, "second": 3}
